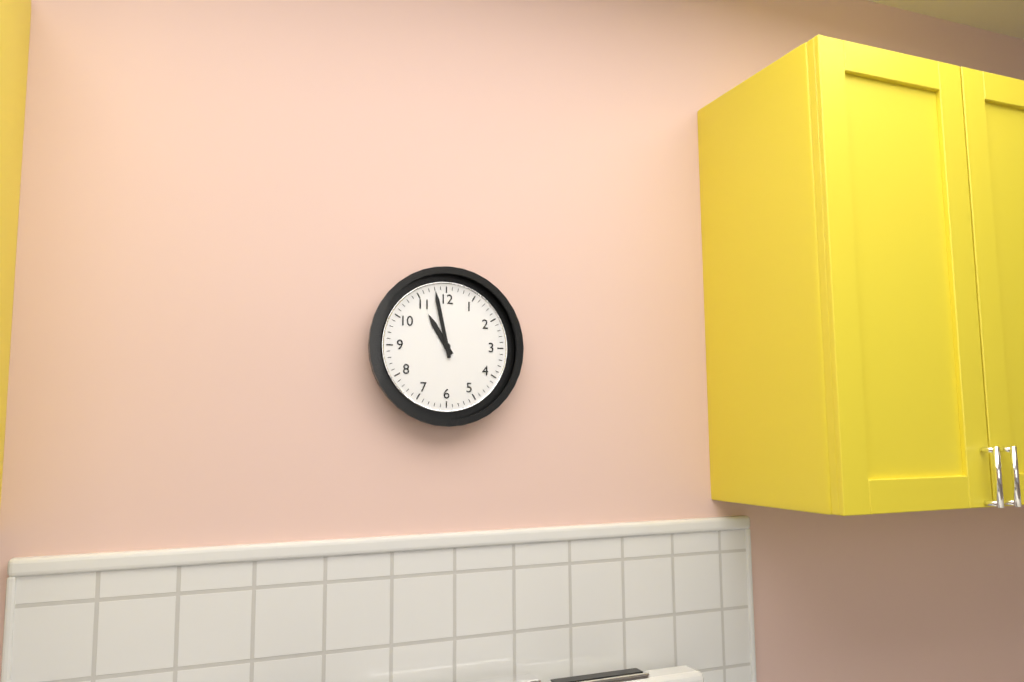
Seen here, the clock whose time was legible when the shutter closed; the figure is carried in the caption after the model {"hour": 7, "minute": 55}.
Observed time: {"hour": 10, "minute": 58}
